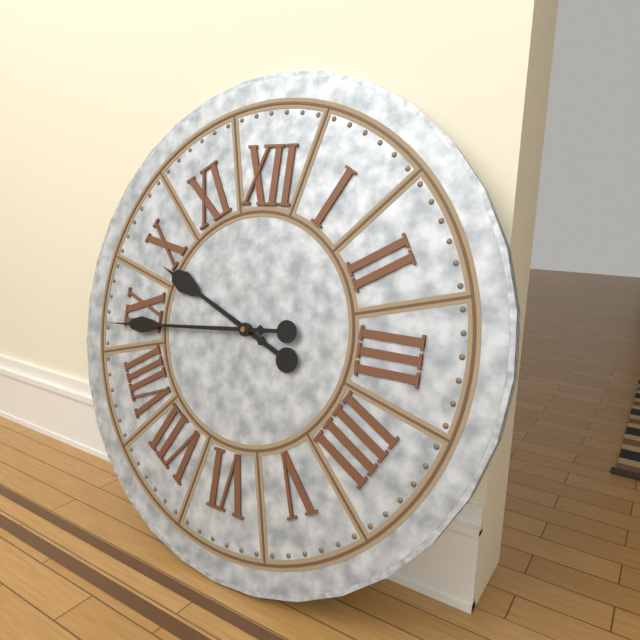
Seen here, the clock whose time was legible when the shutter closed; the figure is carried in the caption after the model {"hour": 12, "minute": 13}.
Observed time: {"hour": 9, "minute": 44}
